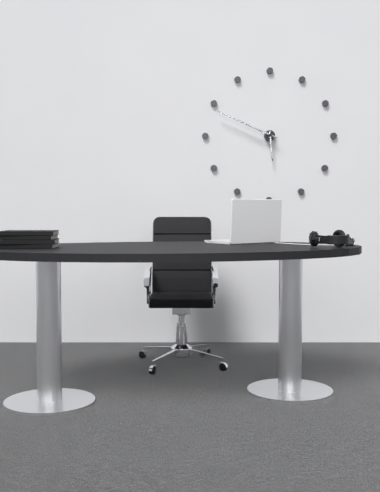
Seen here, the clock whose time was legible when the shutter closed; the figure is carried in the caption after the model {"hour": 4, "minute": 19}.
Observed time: {"hour": 5, "minute": 49}
